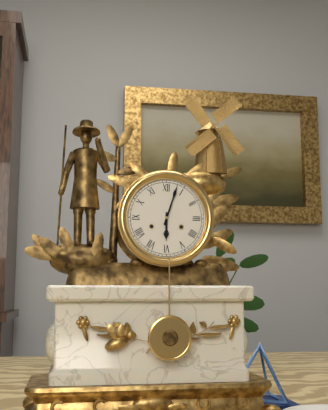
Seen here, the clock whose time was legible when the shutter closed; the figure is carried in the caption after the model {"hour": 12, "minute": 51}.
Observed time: {"hour": 6, "minute": 3}
